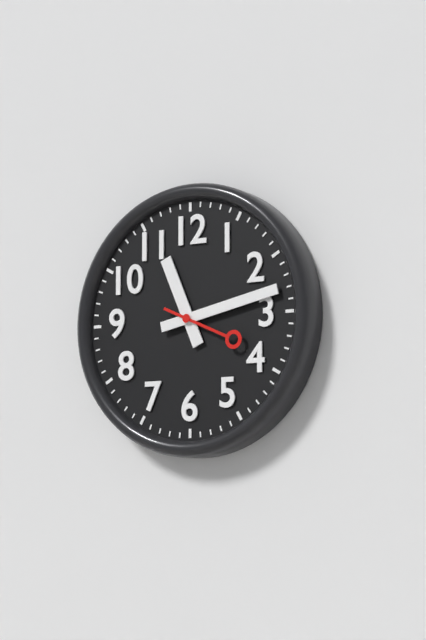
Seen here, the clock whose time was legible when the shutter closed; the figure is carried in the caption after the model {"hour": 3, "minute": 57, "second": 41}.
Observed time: {"hour": 11, "minute": 13, "second": 19}
